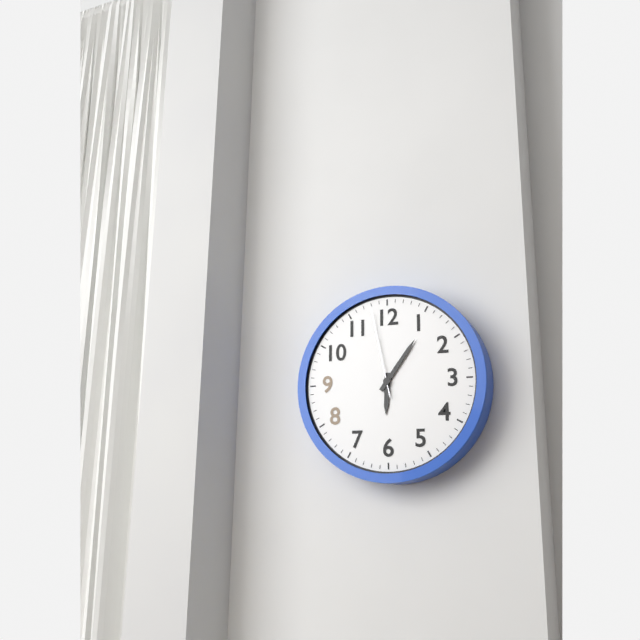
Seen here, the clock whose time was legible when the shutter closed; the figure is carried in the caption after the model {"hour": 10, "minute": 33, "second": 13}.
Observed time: {"hour": 6, "minute": 6, "second": 58}
